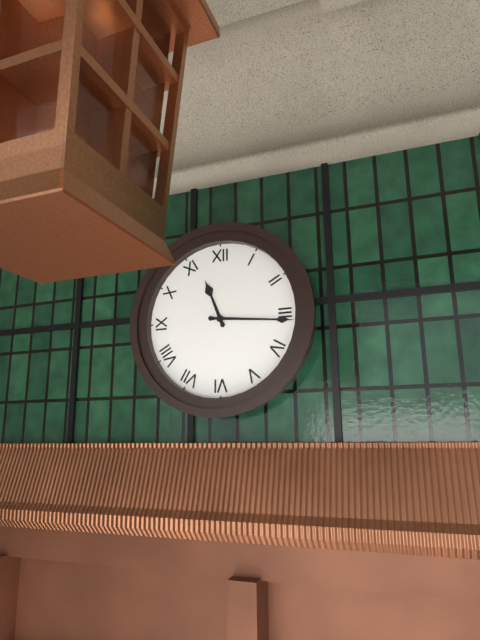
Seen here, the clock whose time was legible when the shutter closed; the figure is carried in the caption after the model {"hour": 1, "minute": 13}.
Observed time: {"hour": 11, "minute": 16}
